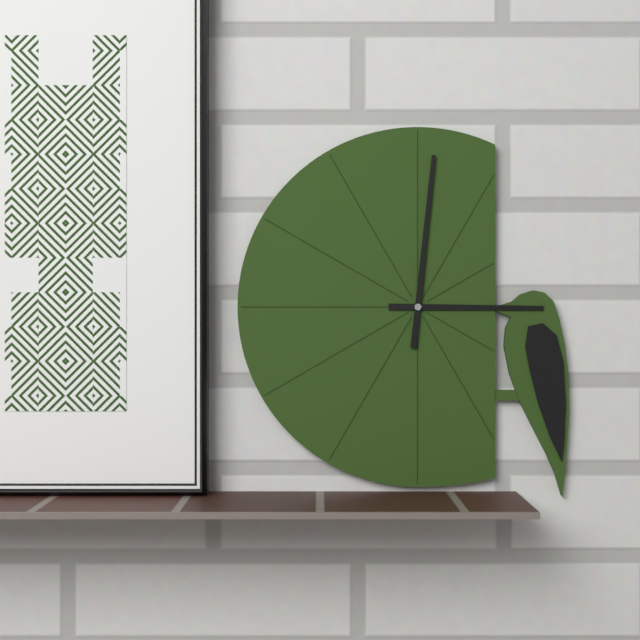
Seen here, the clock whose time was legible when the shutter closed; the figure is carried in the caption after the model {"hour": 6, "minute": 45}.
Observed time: {"hour": 3, "minute": 1}
